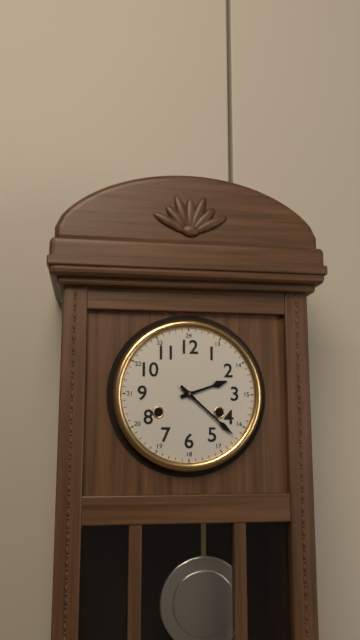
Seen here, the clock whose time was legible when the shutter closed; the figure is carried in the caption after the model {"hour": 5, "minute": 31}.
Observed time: {"hour": 2, "minute": 22}
